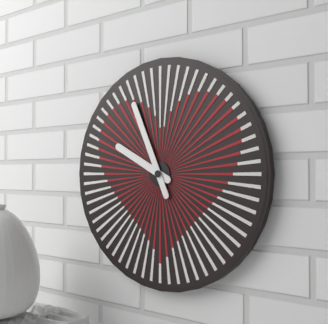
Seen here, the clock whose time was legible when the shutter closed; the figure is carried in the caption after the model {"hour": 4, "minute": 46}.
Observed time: {"hour": 9, "minute": 56}
